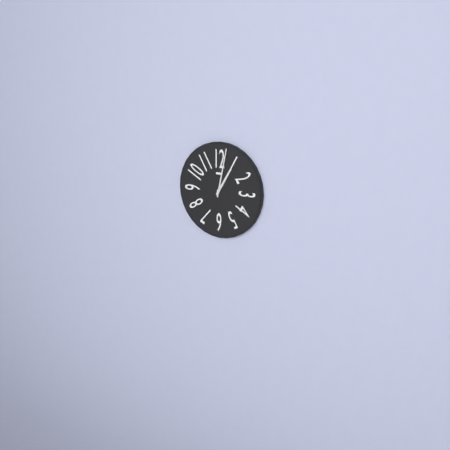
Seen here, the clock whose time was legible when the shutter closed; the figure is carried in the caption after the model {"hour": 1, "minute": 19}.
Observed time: {"hour": 1, "minute": 2}
